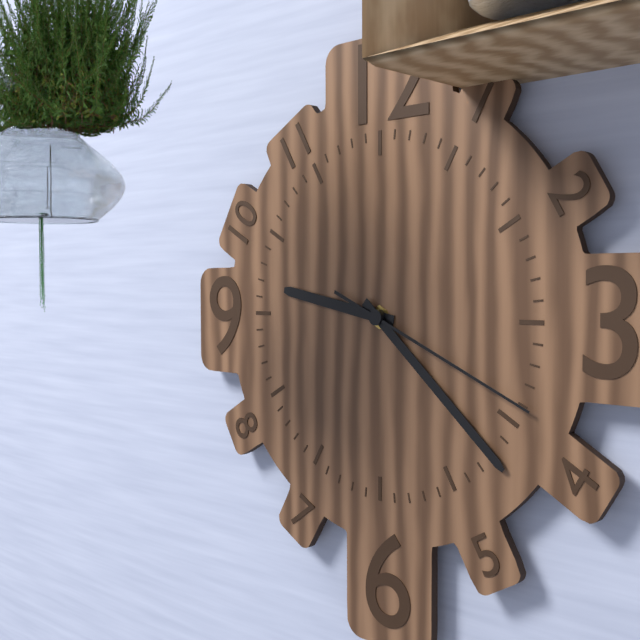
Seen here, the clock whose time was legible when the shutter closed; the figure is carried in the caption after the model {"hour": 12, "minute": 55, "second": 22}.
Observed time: {"hour": 9, "minute": 22, "second": 19}
